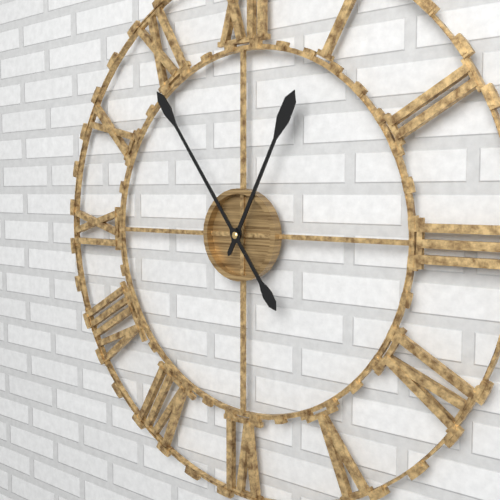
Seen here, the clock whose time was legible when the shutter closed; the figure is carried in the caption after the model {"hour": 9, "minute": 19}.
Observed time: {"hour": 12, "minute": 54}
